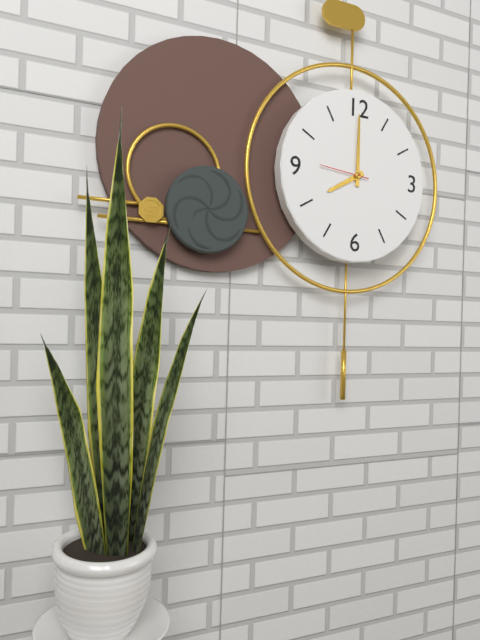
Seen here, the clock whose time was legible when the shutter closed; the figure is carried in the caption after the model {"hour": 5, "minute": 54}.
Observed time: {"hour": 8, "minute": 0}
